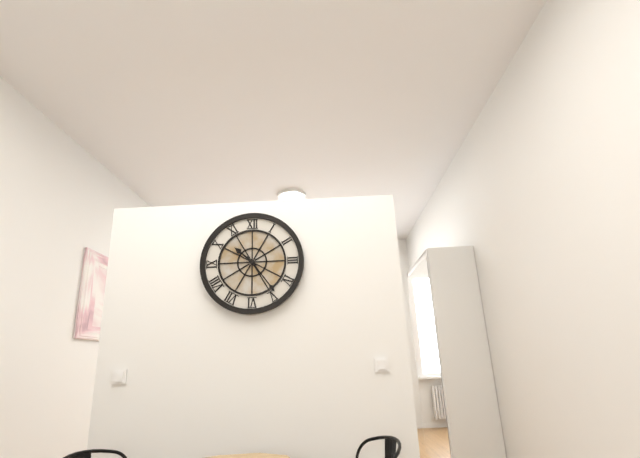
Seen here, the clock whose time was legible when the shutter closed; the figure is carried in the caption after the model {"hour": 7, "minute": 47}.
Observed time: {"hour": 10, "minute": 24}
